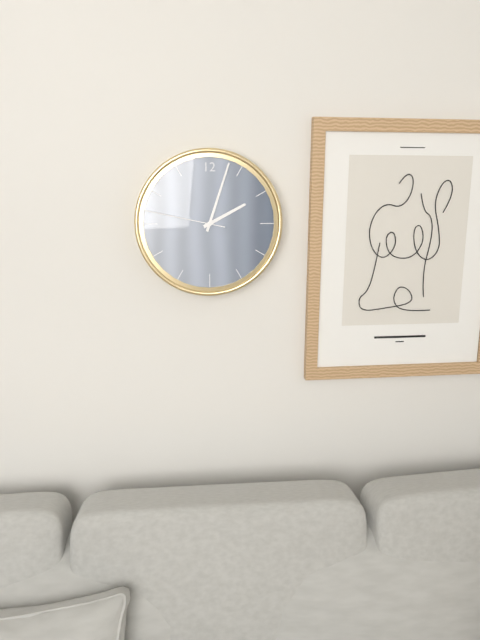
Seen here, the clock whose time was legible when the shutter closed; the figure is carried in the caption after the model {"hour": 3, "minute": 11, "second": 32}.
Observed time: {"hour": 2, "minute": 3, "second": 47}
